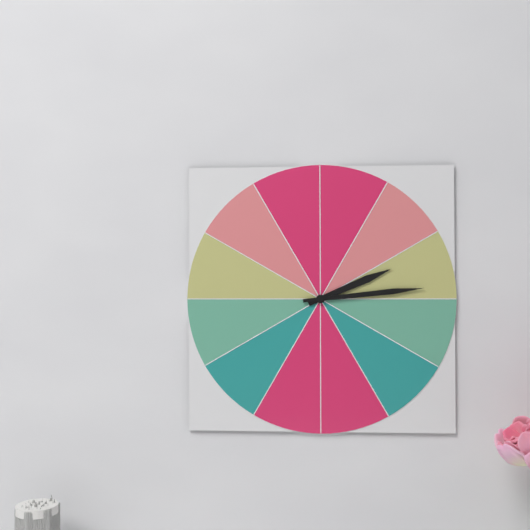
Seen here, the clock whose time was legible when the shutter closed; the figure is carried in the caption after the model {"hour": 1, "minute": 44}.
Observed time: {"hour": 2, "minute": 14}
